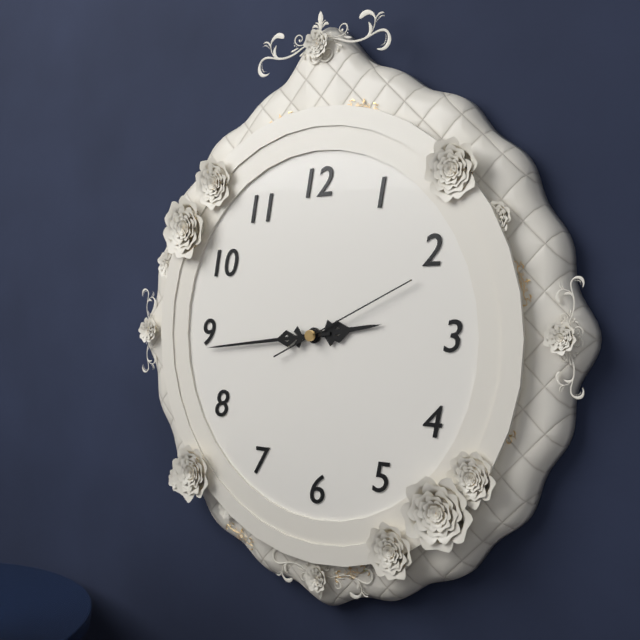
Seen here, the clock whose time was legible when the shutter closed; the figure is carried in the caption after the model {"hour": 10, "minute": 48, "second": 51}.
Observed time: {"hour": 2, "minute": 44, "second": 11}
